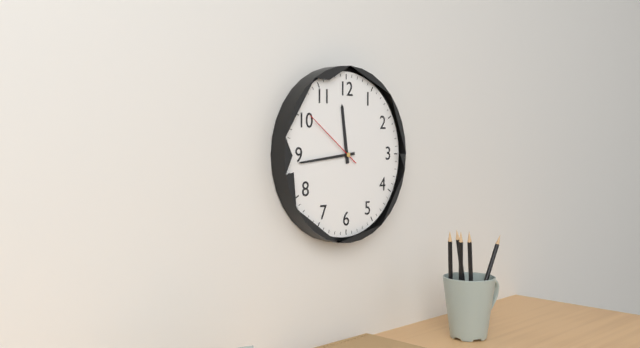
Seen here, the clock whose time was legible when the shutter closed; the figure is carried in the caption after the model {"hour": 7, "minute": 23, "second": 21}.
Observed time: {"hour": 11, "minute": 44, "second": 51}
